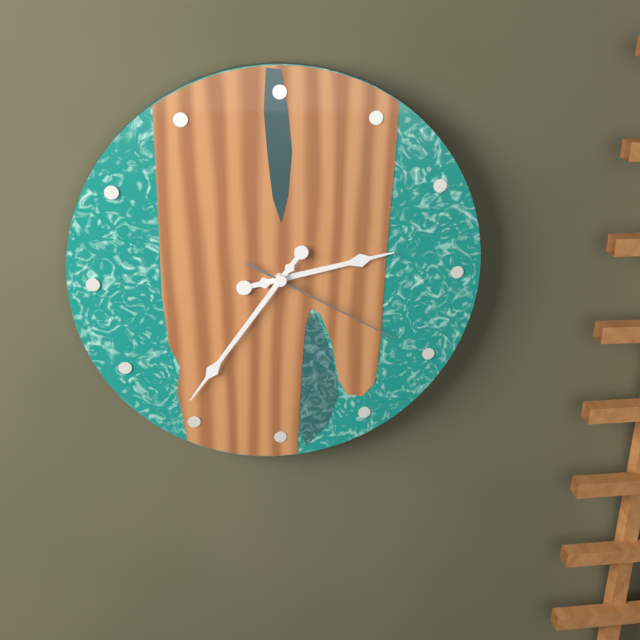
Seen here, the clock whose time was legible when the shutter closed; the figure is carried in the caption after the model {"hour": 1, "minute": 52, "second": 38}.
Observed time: {"hour": 2, "minute": 36, "second": 20}
